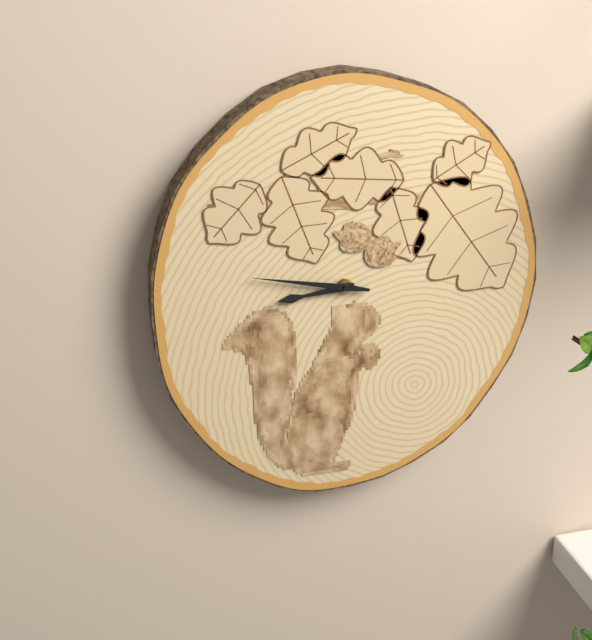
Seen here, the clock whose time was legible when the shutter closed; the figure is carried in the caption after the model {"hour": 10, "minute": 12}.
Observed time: {"hour": 8, "minute": 47}
